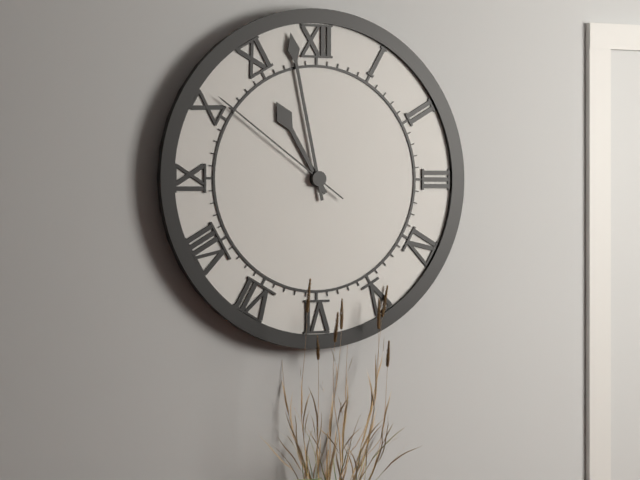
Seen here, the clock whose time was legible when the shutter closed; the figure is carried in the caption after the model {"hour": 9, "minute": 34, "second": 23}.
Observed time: {"hour": 10, "minute": 58, "second": 51}
